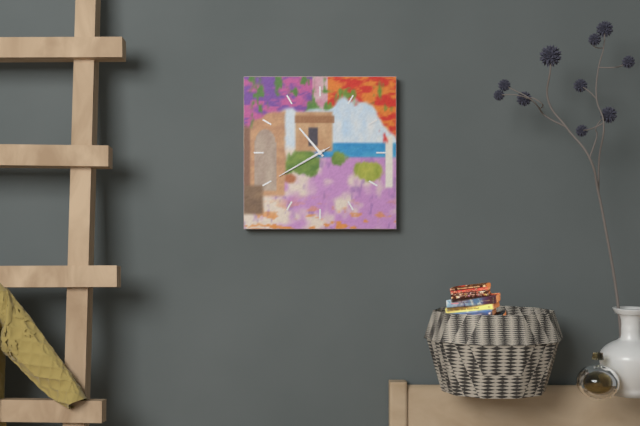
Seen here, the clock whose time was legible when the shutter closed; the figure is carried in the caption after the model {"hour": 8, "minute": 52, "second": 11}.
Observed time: {"hour": 10, "minute": 40, "second": 40}
